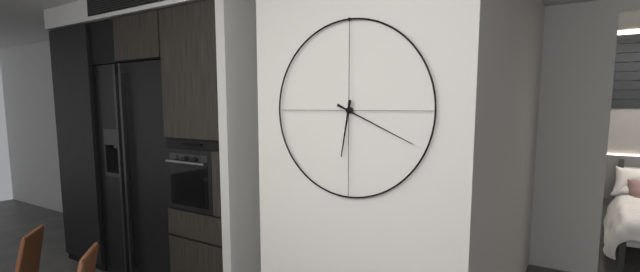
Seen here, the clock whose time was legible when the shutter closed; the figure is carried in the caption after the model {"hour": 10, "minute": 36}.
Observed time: {"hour": 6, "minute": 19}
